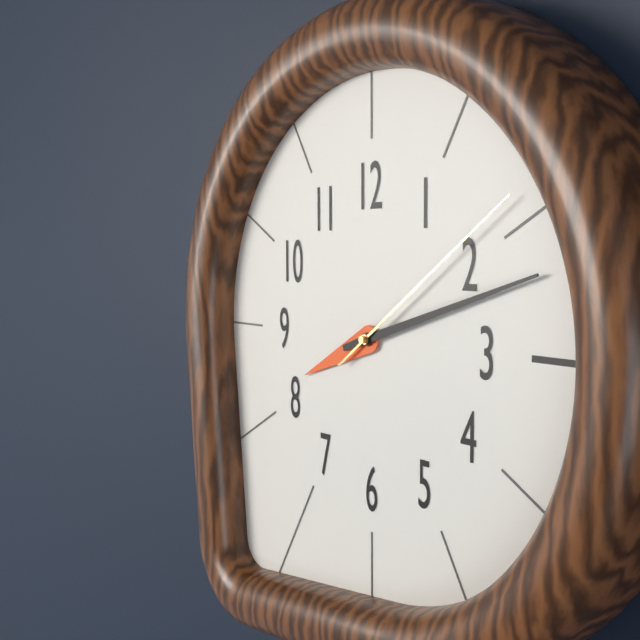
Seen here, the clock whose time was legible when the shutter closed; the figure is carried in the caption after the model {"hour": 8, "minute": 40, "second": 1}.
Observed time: {"hour": 8, "minute": 12, "second": 9}
